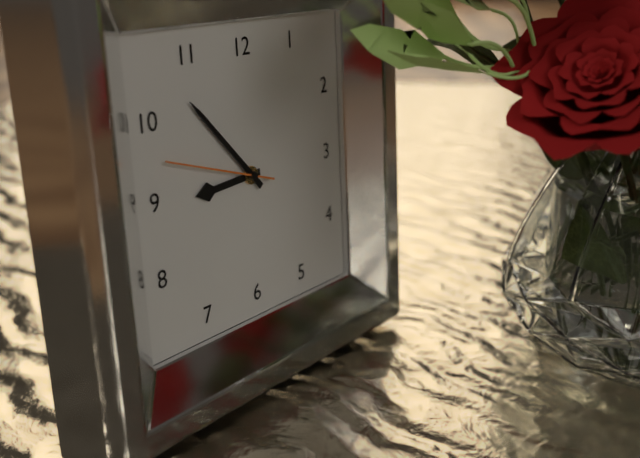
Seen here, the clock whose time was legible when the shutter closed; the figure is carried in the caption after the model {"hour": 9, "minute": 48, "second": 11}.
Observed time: {"hour": 8, "minute": 53, "second": 48}
